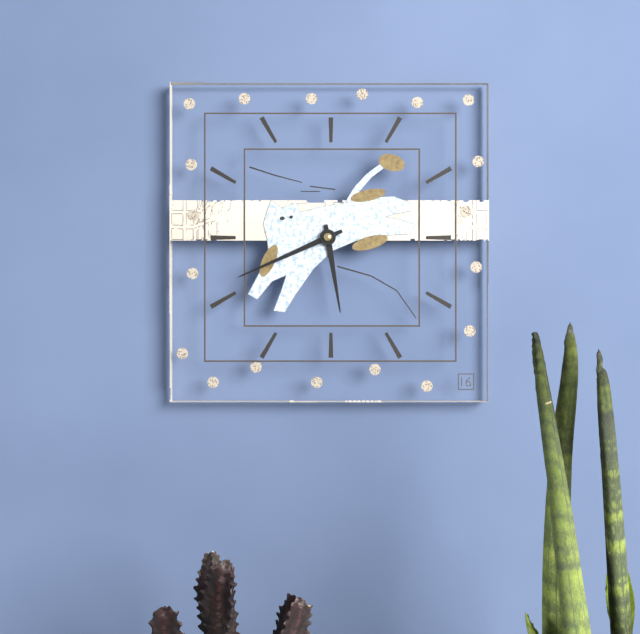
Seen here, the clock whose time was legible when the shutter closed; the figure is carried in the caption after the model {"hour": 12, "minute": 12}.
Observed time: {"hour": 5, "minute": 41}
